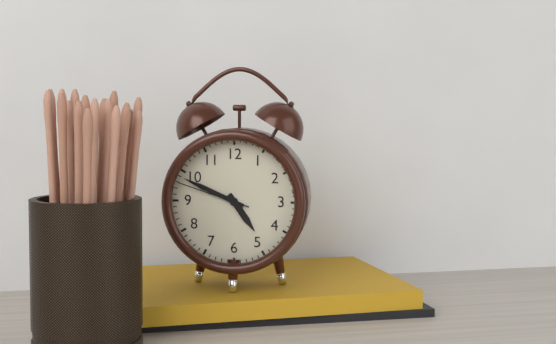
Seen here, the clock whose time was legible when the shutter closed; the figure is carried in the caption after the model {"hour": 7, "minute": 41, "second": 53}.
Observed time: {"hour": 4, "minute": 49, "second": 48}
